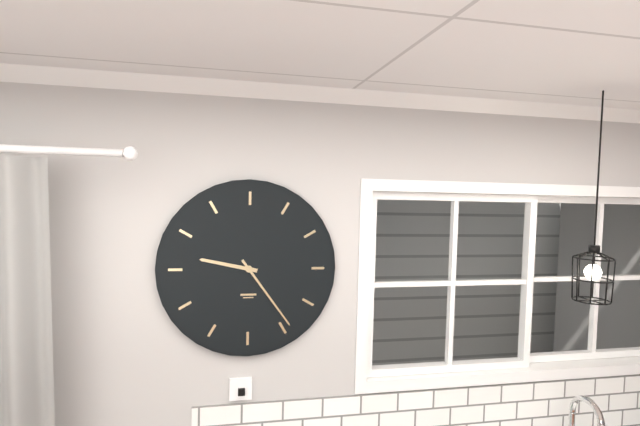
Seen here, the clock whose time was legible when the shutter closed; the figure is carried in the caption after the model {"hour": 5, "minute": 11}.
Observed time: {"hour": 9, "minute": 24}
